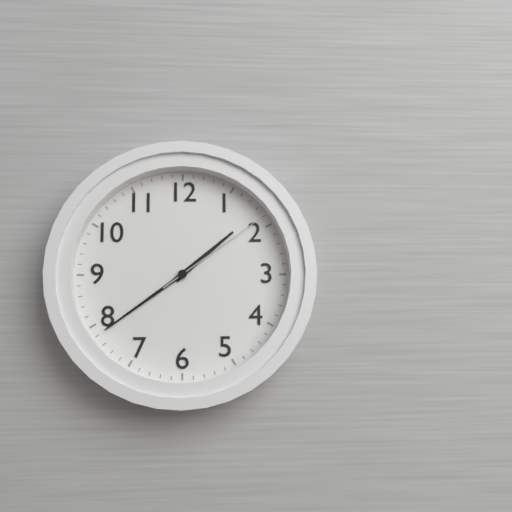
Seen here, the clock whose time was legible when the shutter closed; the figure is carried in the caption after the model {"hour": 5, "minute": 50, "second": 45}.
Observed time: {"hour": 1, "minute": 39, "second": 9}
